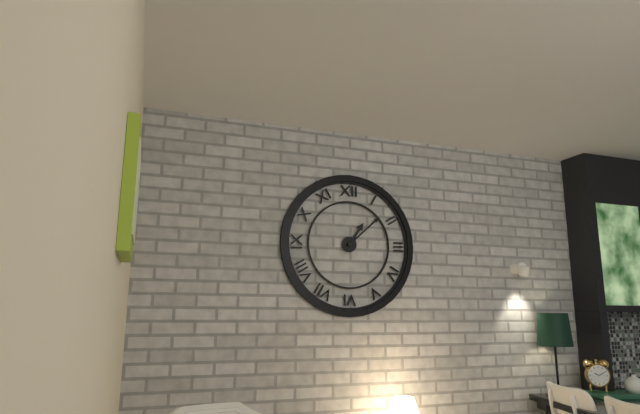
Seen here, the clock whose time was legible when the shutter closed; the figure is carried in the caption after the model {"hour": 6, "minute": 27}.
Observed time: {"hour": 1, "minute": 8}
